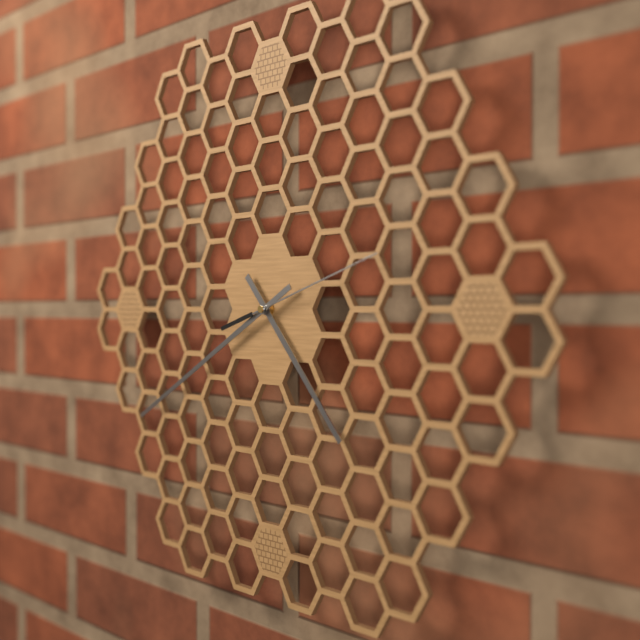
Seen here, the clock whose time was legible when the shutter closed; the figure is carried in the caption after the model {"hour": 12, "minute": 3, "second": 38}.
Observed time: {"hour": 4, "minute": 40, "second": 12}
